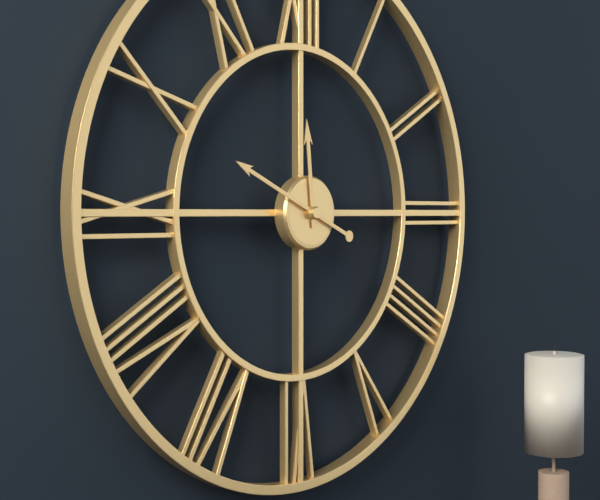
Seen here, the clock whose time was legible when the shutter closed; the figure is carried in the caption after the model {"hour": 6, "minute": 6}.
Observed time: {"hour": 11, "minute": 49}
